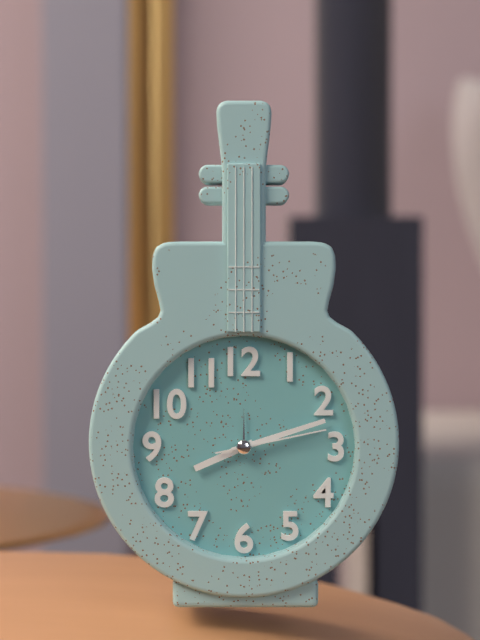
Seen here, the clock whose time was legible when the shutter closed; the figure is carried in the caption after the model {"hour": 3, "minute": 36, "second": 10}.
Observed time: {"hour": 8, "minute": 12, "second": 13}
